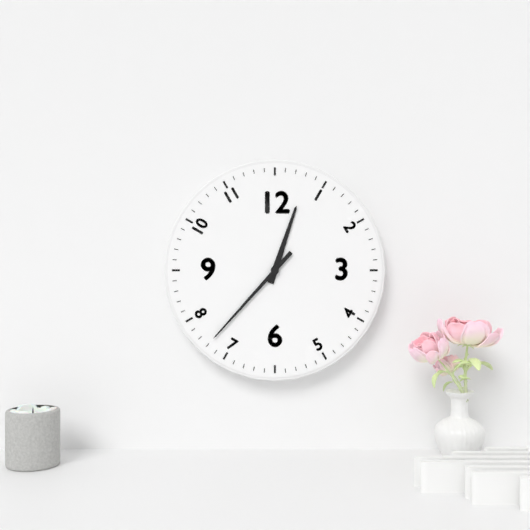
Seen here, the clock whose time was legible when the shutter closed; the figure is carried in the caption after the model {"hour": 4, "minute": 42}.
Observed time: {"hour": 12, "minute": 37}
